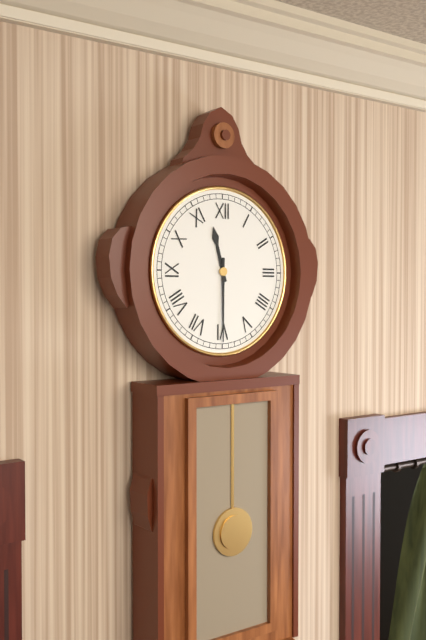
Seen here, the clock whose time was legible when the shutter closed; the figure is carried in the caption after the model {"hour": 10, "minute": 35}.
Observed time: {"hour": 11, "minute": 30}
